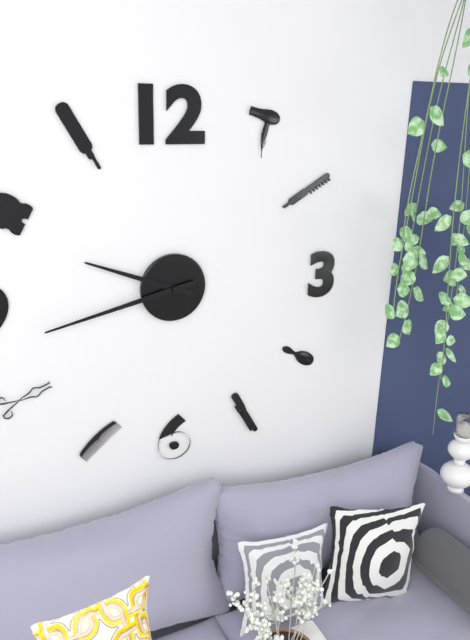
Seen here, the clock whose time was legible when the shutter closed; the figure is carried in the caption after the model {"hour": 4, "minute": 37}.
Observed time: {"hour": 9, "minute": 43}
